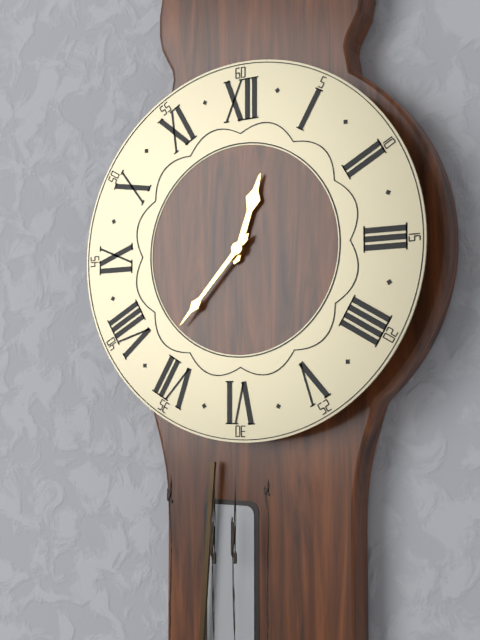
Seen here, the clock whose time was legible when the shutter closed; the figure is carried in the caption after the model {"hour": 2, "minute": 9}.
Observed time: {"hour": 12, "minute": 37}
